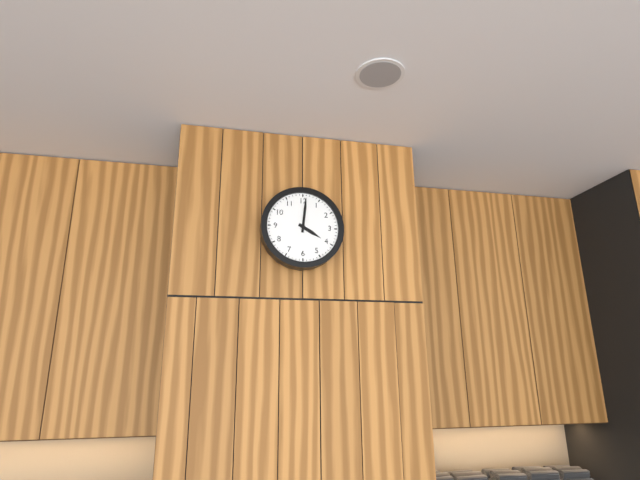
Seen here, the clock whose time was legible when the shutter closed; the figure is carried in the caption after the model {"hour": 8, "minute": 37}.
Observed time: {"hour": 4, "minute": 1}
